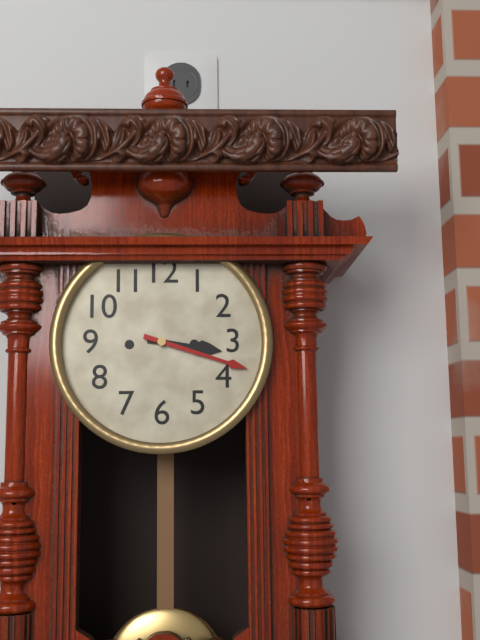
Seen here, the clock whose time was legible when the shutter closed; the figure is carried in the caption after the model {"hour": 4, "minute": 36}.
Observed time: {"hour": 3, "minute": 18}
